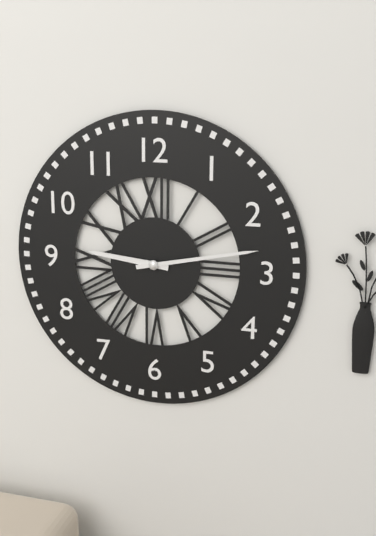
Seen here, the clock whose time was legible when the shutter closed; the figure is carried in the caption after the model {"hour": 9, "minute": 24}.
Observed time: {"hour": 9, "minute": 13}
